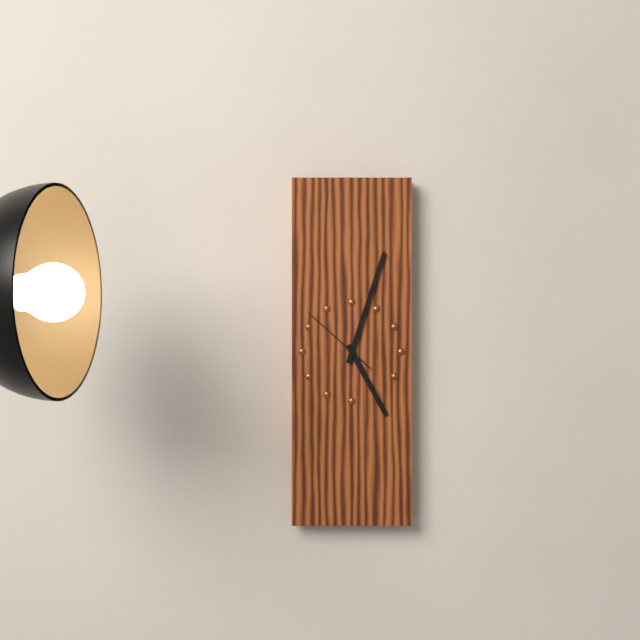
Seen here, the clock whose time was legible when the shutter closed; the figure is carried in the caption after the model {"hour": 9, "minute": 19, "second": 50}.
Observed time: {"hour": 5, "minute": 3, "second": 52}
